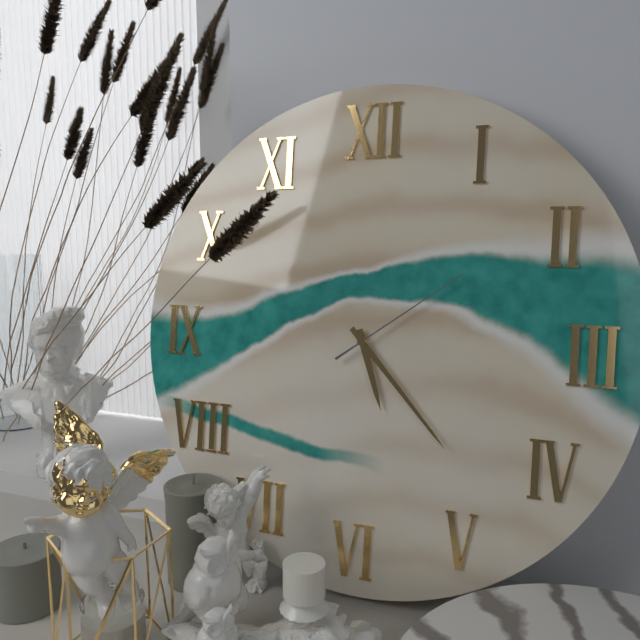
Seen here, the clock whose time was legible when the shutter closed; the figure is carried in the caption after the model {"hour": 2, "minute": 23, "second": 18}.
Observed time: {"hour": 5, "minute": 23, "second": 9}
